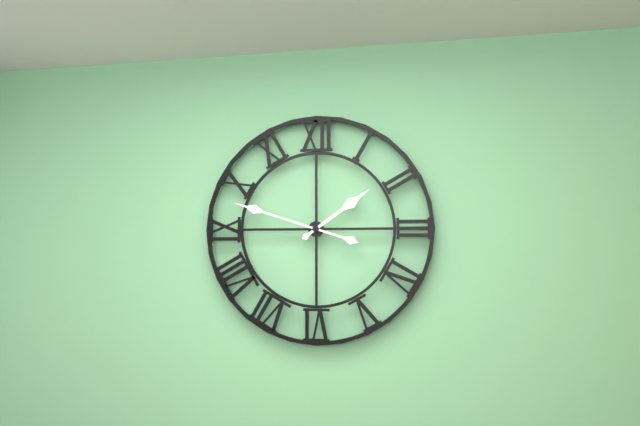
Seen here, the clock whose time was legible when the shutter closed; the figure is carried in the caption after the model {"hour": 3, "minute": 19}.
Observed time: {"hour": 1, "minute": 48}
